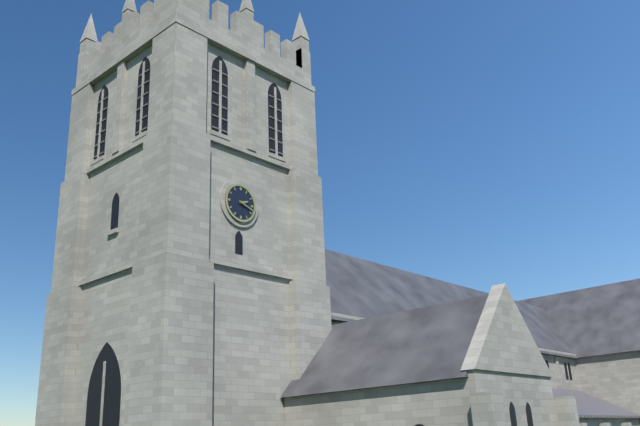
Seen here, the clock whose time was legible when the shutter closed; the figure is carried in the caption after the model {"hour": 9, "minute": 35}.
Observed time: {"hour": 2, "minute": 18}
